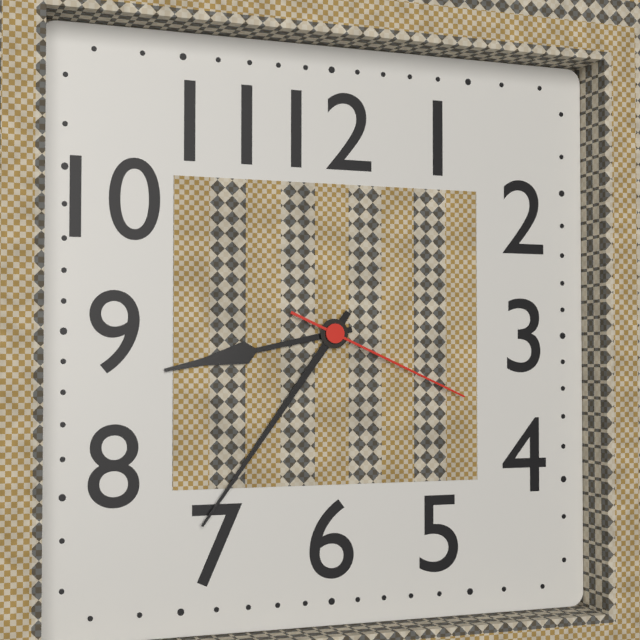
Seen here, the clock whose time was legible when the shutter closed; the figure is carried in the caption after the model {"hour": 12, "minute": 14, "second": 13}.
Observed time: {"hour": 8, "minute": 36, "second": 19}
